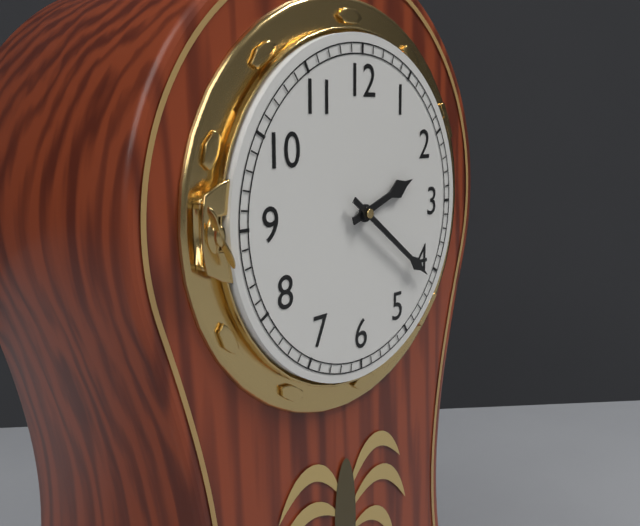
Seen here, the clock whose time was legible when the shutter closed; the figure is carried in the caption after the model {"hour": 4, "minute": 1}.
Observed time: {"hour": 2, "minute": 21}
